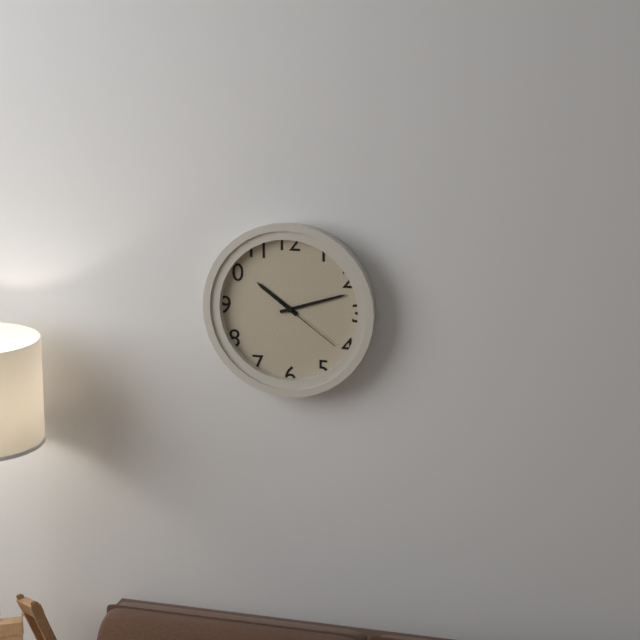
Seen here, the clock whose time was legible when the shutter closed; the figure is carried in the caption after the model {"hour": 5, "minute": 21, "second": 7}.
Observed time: {"hour": 10, "minute": 12, "second": 21}
